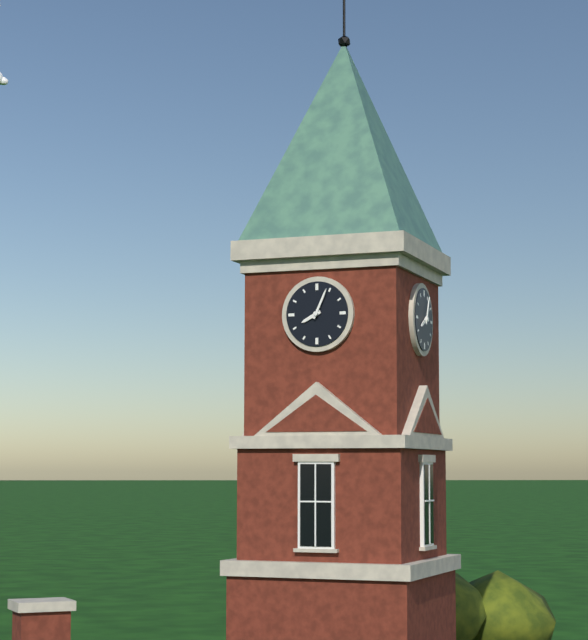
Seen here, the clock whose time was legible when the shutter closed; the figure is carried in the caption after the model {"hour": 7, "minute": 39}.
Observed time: {"hour": 8, "minute": 4}
